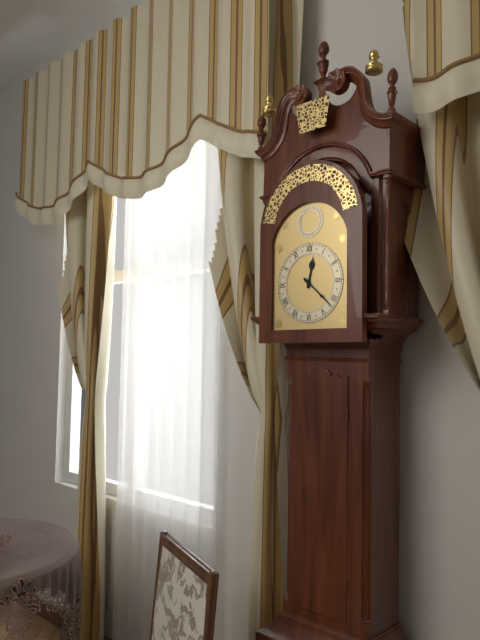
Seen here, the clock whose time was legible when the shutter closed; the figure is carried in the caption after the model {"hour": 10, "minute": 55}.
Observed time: {"hour": 12, "minute": 22}
